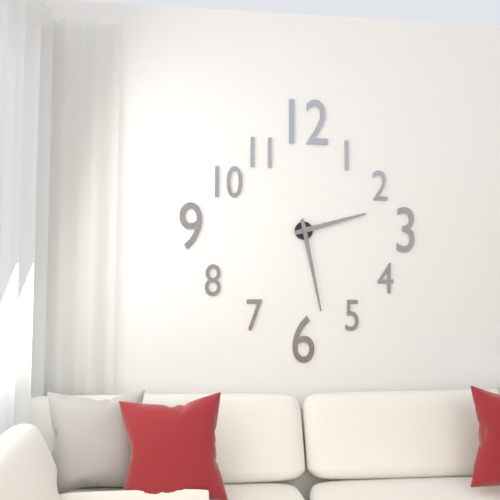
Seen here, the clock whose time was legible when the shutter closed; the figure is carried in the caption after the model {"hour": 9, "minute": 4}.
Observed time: {"hour": 2, "minute": 28}
